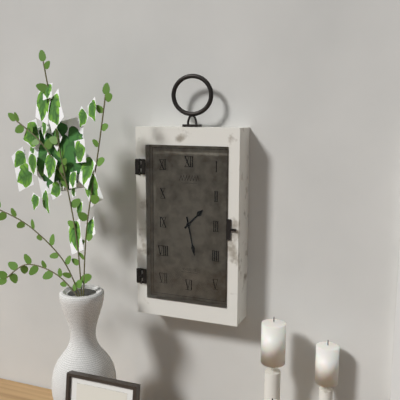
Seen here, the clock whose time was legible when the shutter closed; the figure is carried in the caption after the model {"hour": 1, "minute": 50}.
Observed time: {"hour": 1, "minute": 28}
